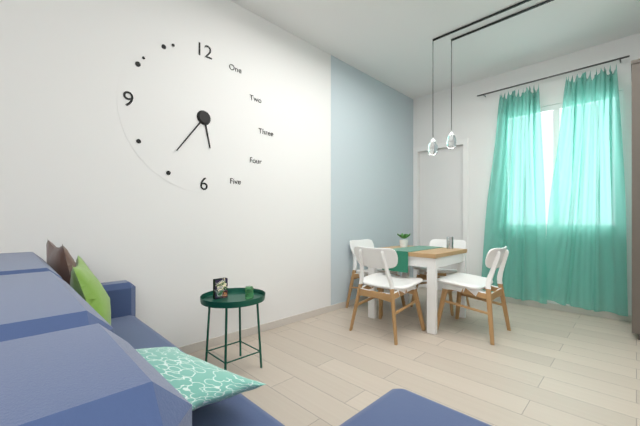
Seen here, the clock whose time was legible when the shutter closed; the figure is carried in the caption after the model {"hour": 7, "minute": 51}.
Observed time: {"hour": 5, "minute": 36}
